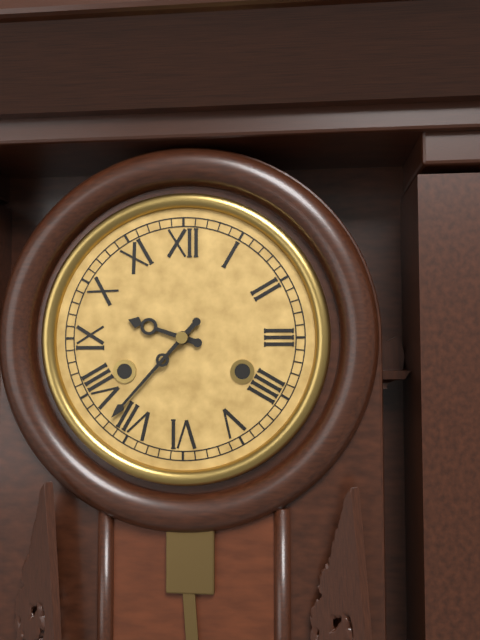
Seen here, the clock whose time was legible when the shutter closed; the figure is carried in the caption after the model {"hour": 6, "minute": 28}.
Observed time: {"hour": 9, "minute": 37}
